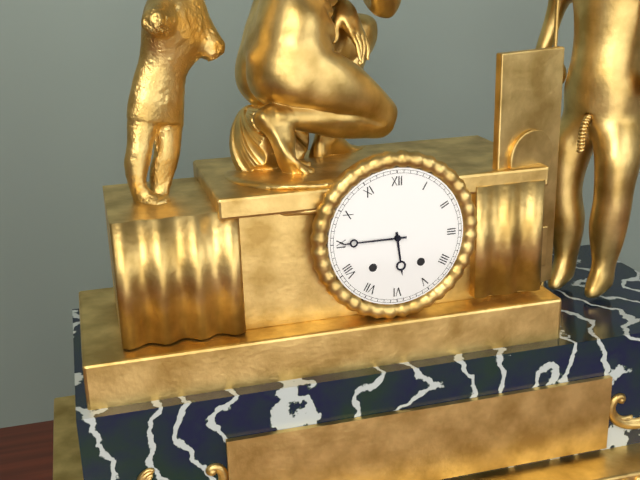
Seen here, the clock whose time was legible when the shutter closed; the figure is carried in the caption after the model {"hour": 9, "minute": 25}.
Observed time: {"hour": 5, "minute": 45}
